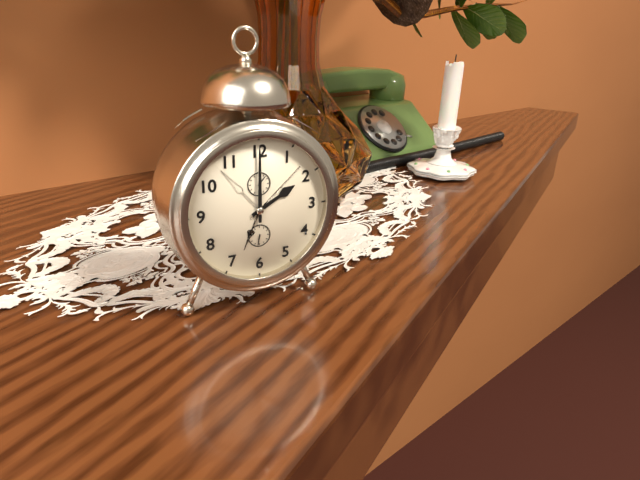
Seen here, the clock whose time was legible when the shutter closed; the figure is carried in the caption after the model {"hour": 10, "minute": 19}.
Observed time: {"hour": 2, "minute": 0}
